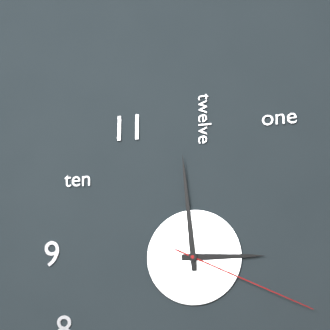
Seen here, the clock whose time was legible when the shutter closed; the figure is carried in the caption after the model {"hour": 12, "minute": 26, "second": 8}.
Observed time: {"hour": 2, "minute": 59, "second": 19}
